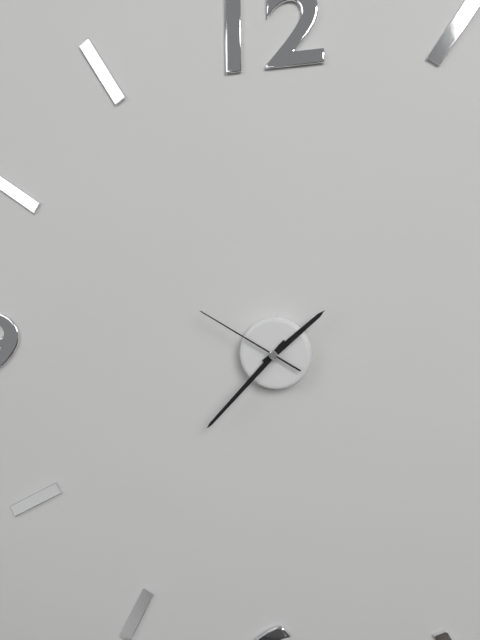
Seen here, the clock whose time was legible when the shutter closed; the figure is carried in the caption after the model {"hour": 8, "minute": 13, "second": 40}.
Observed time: {"hour": 1, "minute": 37, "second": 50}
